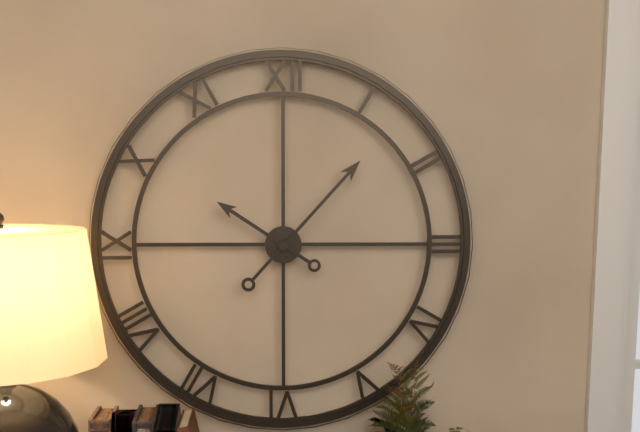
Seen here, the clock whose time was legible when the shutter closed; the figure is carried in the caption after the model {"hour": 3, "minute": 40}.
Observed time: {"hour": 10, "minute": 7}
